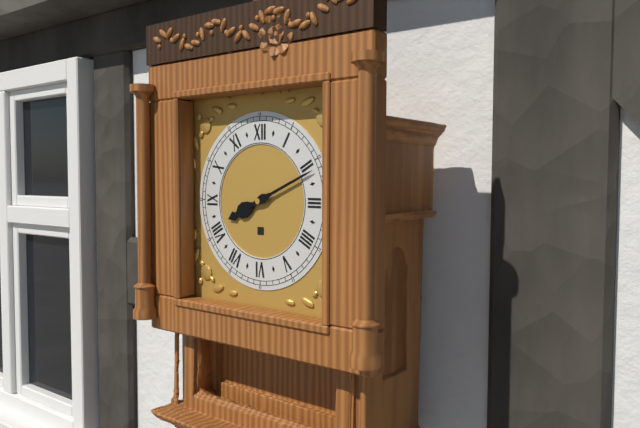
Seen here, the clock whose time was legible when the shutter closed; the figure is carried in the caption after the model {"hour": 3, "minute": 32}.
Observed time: {"hour": 8, "minute": 11}
